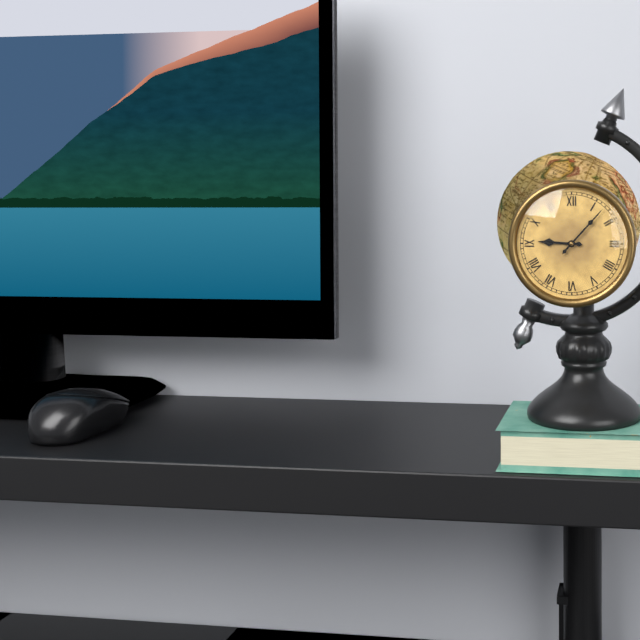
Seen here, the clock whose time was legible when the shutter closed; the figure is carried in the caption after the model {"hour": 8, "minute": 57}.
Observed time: {"hour": 9, "minute": 7}
